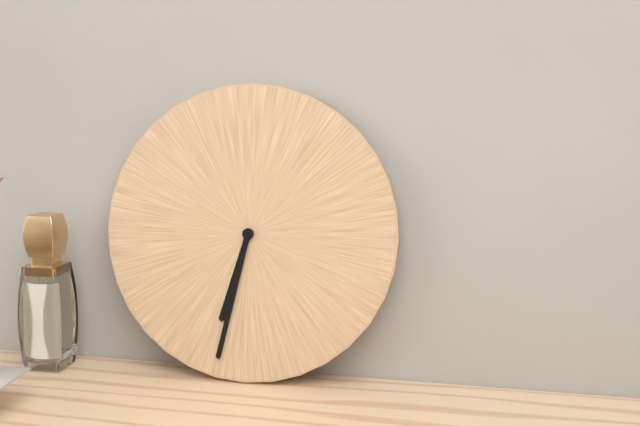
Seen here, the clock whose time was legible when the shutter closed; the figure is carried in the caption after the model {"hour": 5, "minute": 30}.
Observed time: {"hour": 6, "minute": 32}
